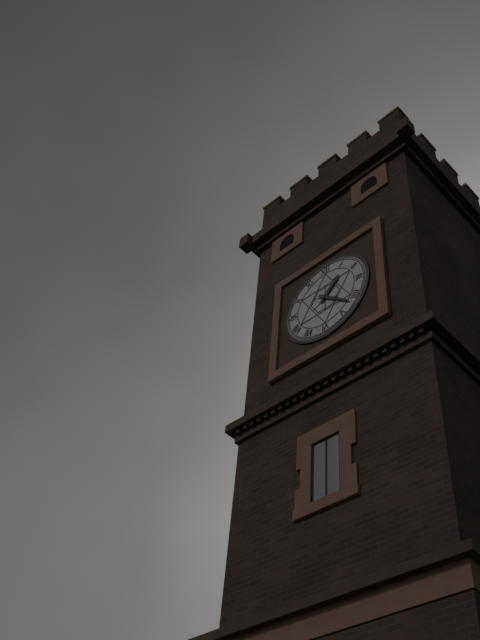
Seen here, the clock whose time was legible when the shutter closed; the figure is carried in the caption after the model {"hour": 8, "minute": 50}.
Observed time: {"hour": 1, "minute": 22}
